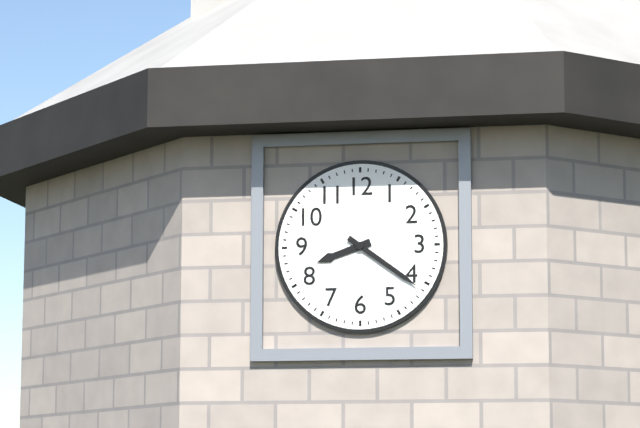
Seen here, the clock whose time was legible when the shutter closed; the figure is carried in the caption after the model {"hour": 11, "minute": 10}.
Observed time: {"hour": 8, "minute": 21}
